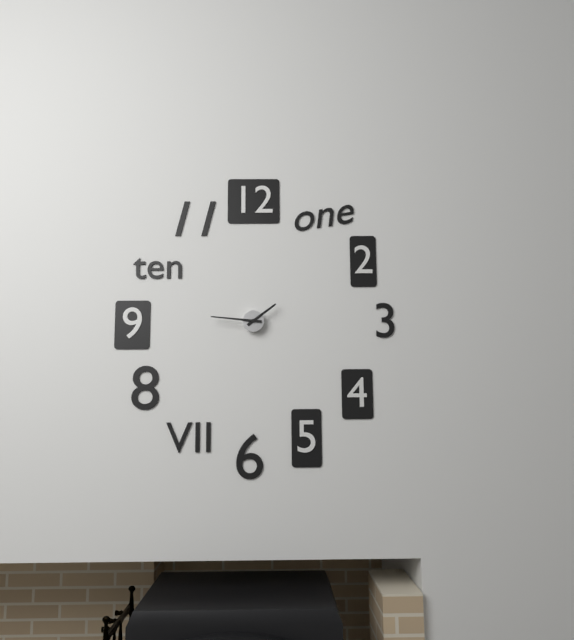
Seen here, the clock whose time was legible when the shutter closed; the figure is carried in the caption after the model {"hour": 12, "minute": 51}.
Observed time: {"hour": 1, "minute": 46}
